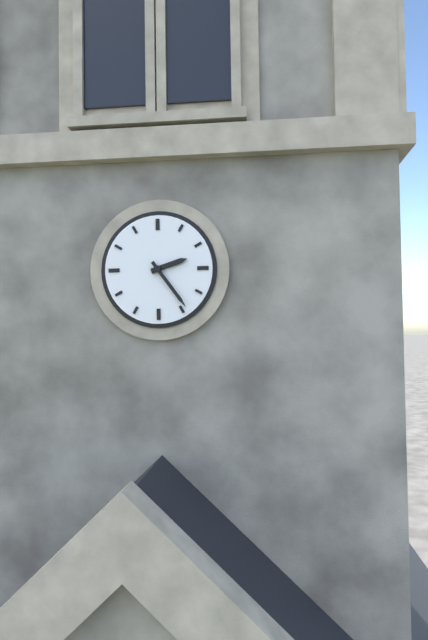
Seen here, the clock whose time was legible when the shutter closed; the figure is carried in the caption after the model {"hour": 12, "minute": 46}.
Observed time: {"hour": 2, "minute": 24}
